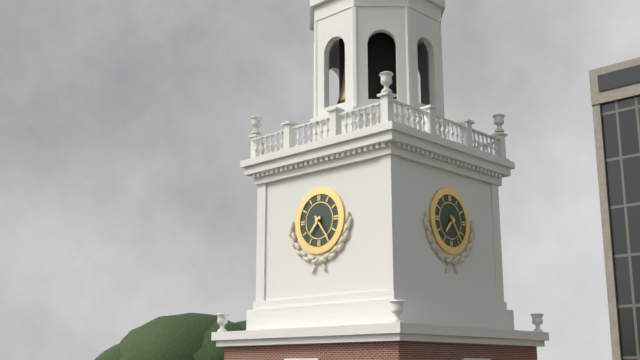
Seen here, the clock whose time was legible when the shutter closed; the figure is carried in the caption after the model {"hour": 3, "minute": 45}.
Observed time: {"hour": 7, "minute": 24}
